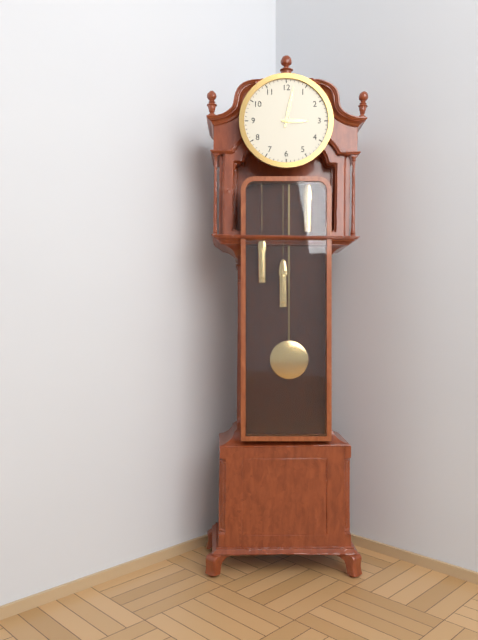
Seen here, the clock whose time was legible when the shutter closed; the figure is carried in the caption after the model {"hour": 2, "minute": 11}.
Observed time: {"hour": 3, "minute": 2}
